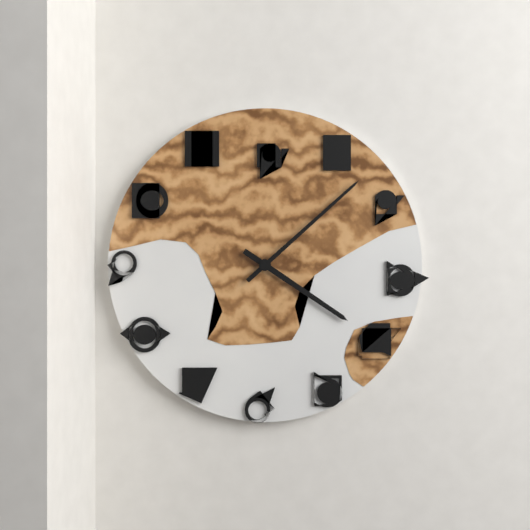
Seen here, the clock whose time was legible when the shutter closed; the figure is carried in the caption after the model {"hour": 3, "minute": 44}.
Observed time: {"hour": 4, "minute": 8}
